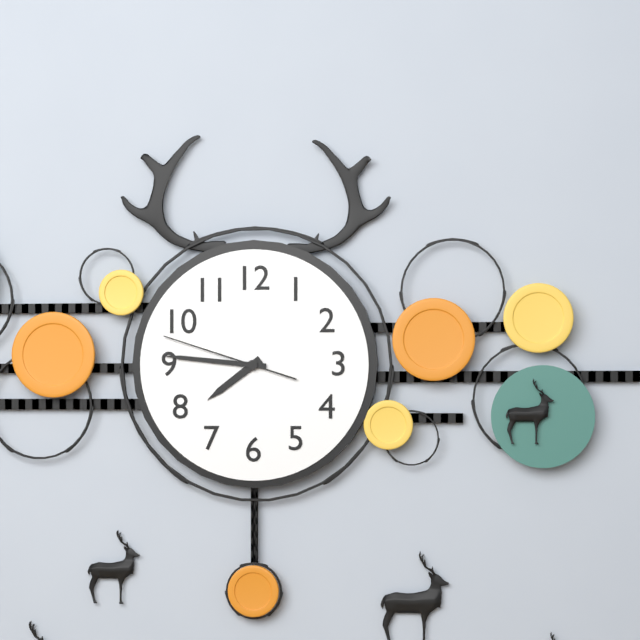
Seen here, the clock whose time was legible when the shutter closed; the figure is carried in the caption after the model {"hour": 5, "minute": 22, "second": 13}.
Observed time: {"hour": 7, "minute": 46, "second": 48}
